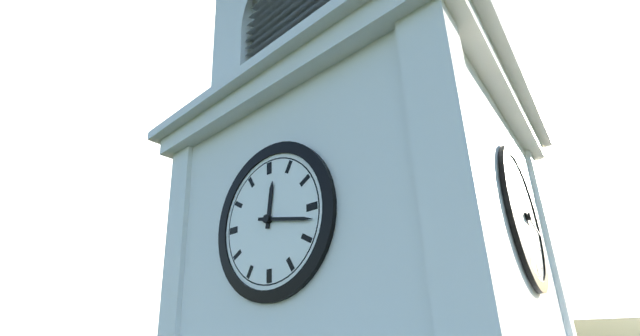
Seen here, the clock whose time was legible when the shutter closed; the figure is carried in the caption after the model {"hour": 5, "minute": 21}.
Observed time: {"hour": 12, "minute": 17}
